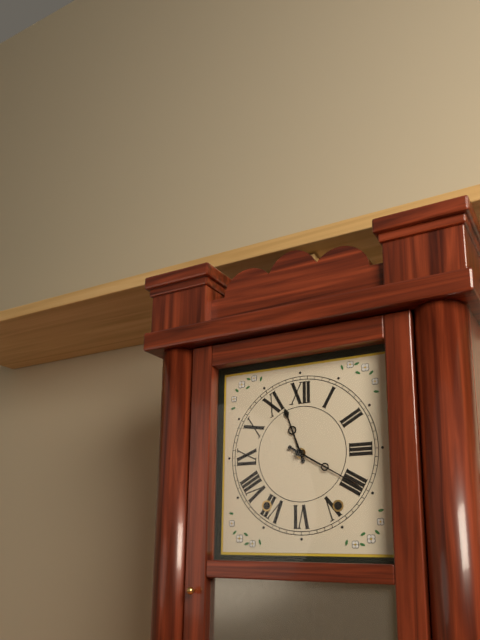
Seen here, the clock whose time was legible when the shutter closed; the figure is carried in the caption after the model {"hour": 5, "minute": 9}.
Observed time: {"hour": 11, "minute": 20}
